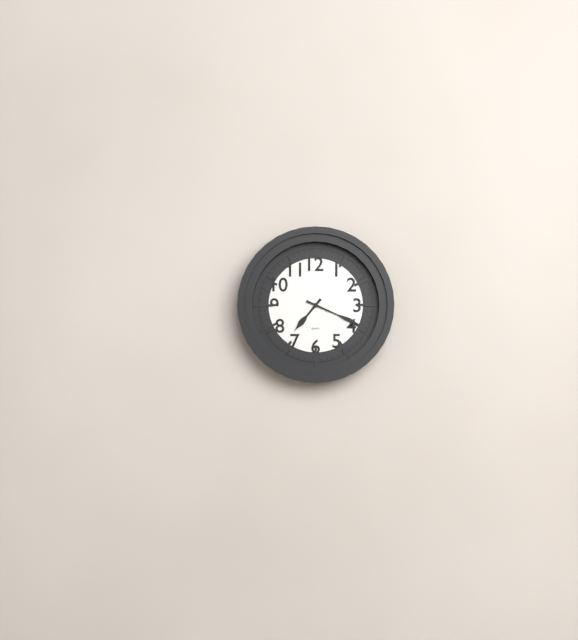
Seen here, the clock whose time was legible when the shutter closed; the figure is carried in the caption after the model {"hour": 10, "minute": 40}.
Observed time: {"hour": 7, "minute": 19}
